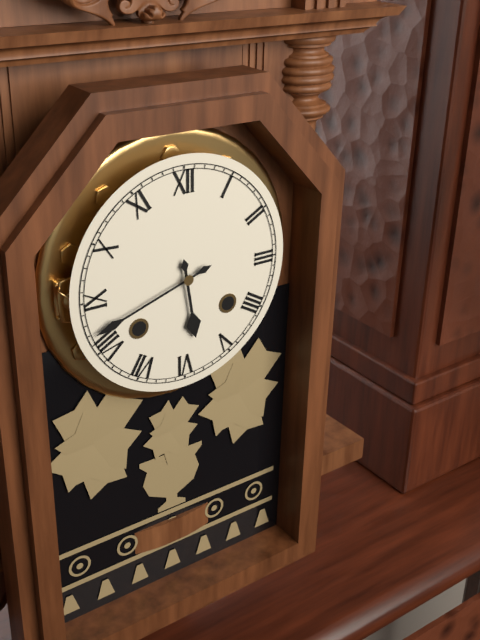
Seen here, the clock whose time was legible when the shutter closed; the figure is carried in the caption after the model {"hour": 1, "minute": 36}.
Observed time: {"hour": 5, "minute": 42}
